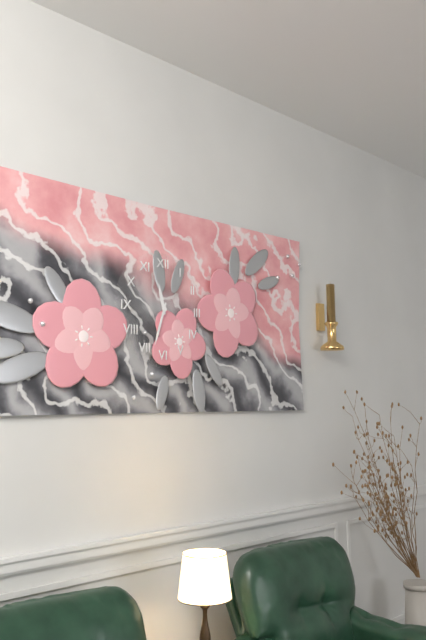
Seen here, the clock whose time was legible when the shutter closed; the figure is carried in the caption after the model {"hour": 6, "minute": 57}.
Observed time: {"hour": 11, "minute": 33}
